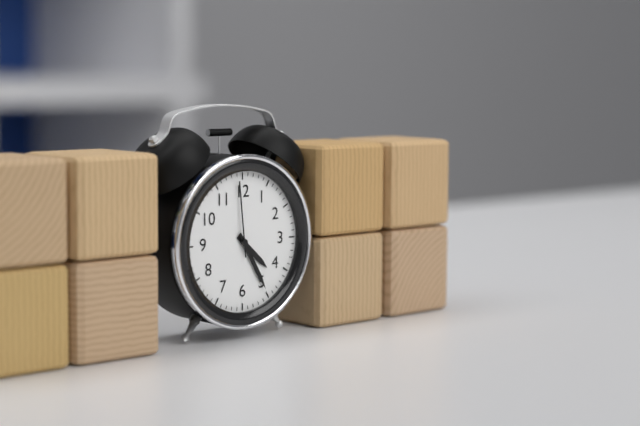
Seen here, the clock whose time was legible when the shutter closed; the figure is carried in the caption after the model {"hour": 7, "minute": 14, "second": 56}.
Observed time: {"hour": 4, "minute": 25, "second": 59}
